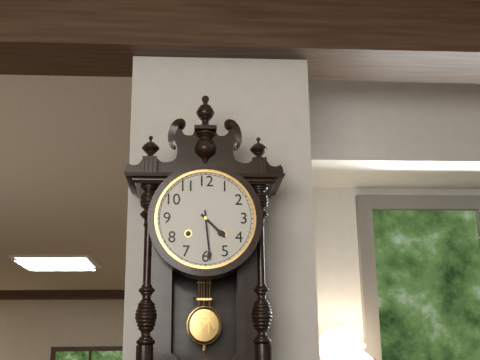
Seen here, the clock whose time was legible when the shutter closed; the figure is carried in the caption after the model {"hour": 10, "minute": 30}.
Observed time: {"hour": 4, "minute": 29}
